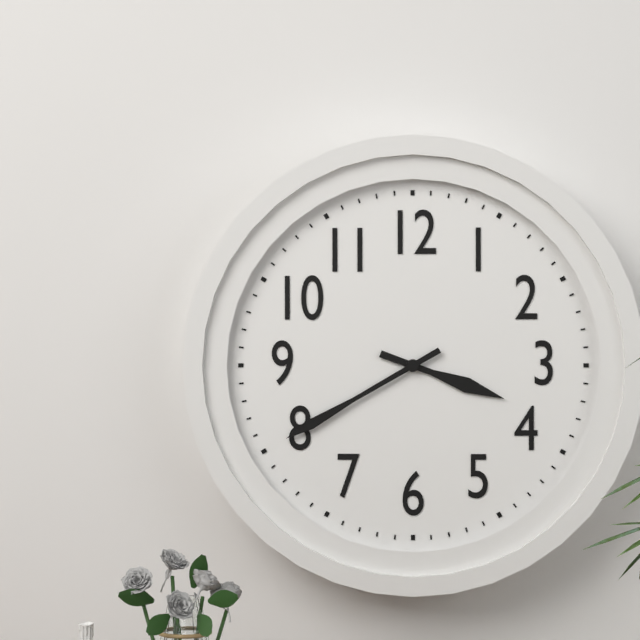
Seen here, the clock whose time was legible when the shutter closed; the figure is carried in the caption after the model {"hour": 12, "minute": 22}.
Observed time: {"hour": 3, "minute": 40}
